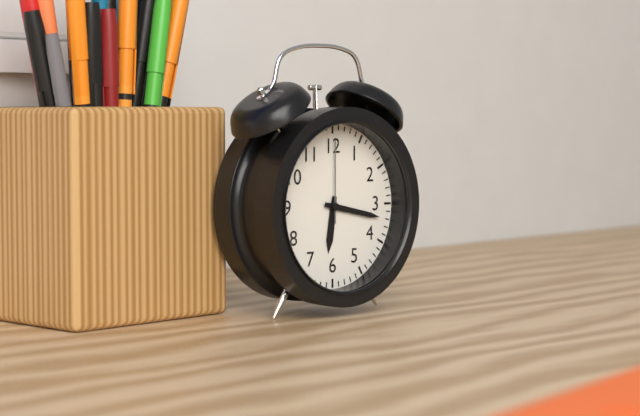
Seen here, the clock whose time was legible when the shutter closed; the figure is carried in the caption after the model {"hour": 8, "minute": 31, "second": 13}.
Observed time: {"hour": 6, "minute": 17, "second": 0}
